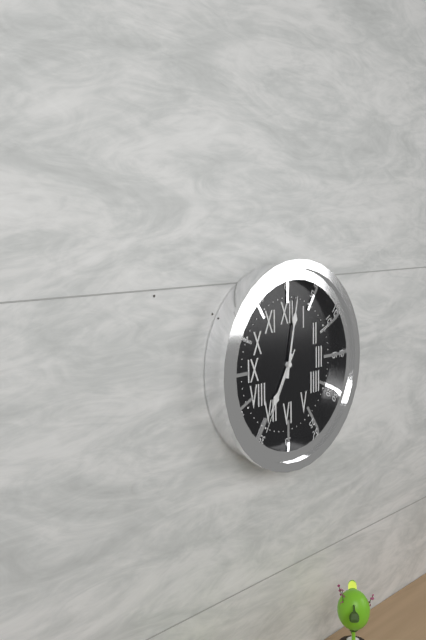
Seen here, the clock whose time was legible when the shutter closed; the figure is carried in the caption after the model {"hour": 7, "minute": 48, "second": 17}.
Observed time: {"hour": 7, "minute": 2, "second": 35}
